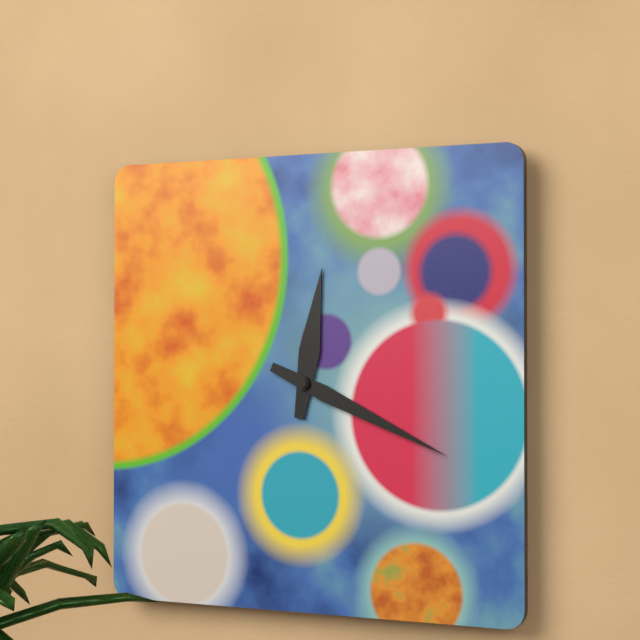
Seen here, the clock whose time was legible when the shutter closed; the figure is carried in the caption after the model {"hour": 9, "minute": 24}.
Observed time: {"hour": 12, "minute": 19}
